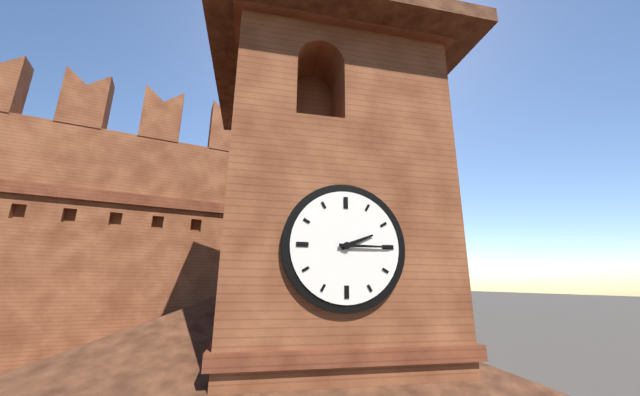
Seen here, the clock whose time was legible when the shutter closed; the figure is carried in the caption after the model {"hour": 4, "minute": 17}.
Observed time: {"hour": 2, "minute": 15}
